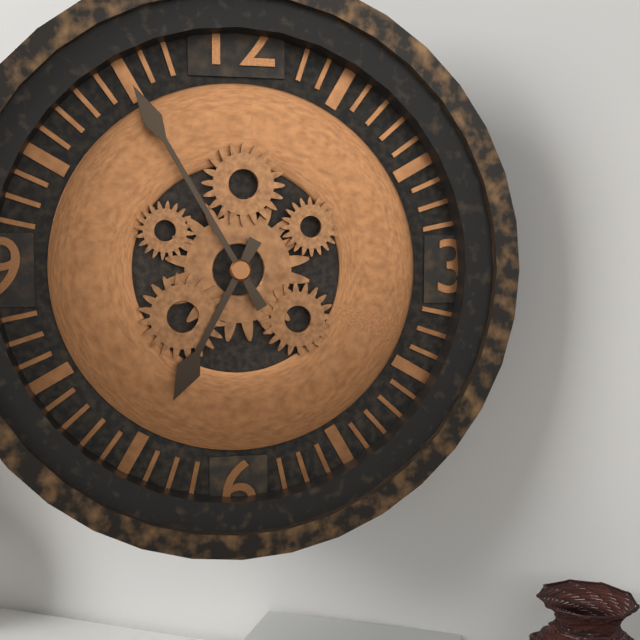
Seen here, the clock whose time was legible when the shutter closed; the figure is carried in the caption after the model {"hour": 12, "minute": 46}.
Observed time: {"hour": 6, "minute": 55}
